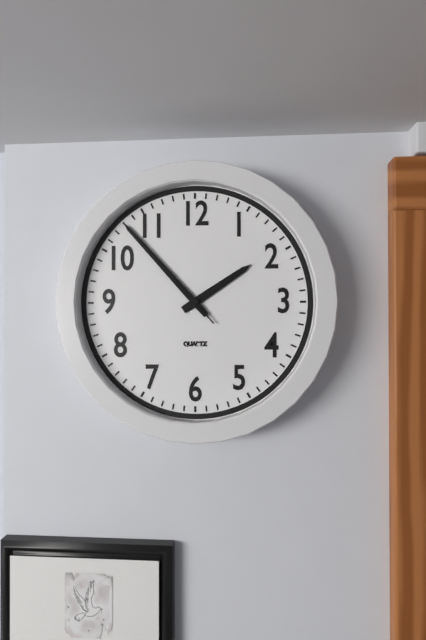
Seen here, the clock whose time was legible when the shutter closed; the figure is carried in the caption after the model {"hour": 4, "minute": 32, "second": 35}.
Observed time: {"hour": 1, "minute": 53, "second": 53}
